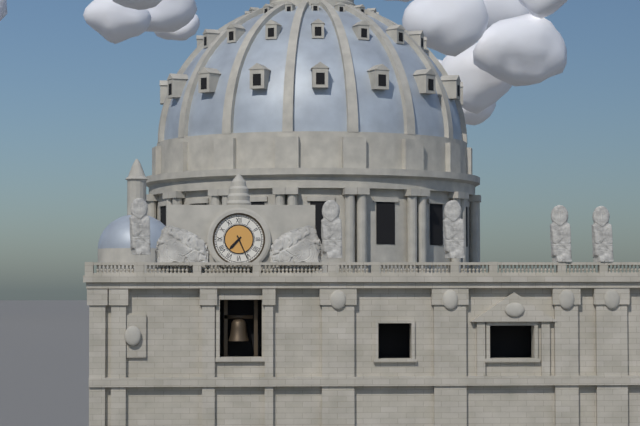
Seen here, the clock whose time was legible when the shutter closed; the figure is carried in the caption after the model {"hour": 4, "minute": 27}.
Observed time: {"hour": 7, "minute": 26}
